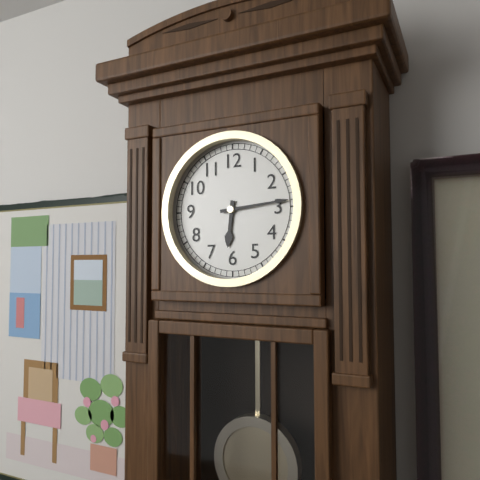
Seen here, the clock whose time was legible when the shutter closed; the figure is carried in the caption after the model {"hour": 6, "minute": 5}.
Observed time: {"hour": 6, "minute": 14}
